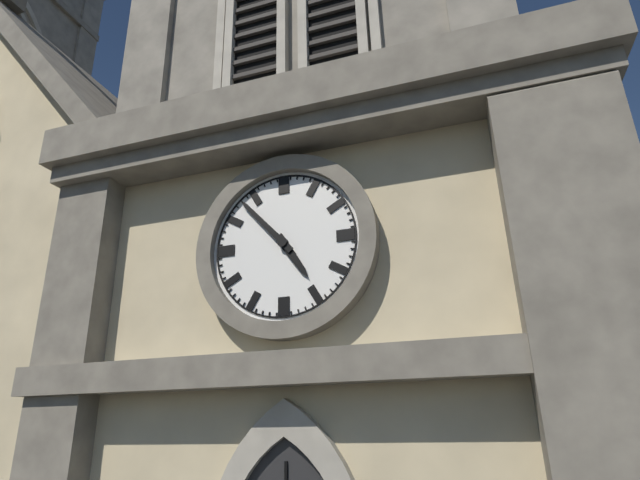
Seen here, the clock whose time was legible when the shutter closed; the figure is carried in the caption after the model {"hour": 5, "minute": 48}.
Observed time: {"hour": 4, "minute": 53}
